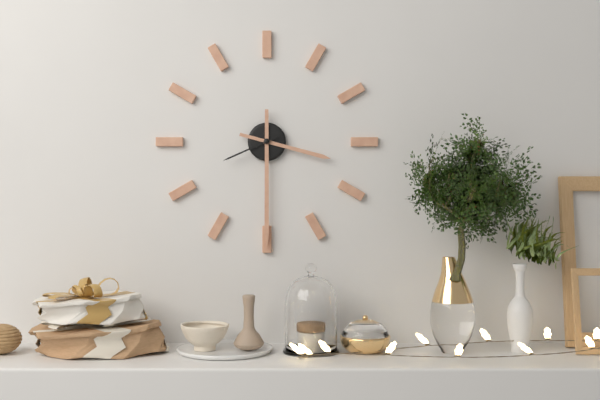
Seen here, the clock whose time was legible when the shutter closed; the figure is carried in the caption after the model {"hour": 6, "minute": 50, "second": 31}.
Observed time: {"hour": 3, "minute": 30, "second": 41}
